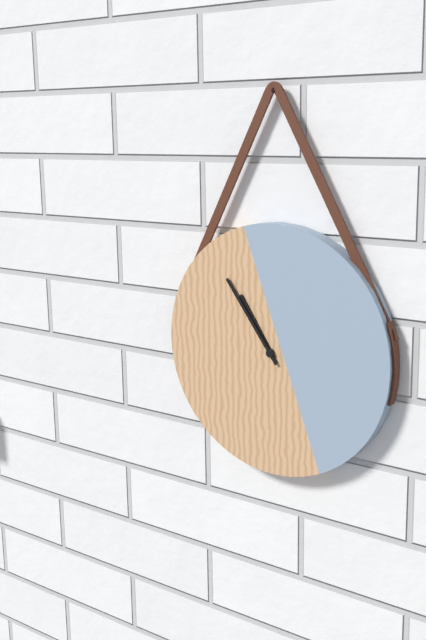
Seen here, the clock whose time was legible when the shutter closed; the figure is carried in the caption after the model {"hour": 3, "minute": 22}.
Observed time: {"hour": 10, "minute": 54}
